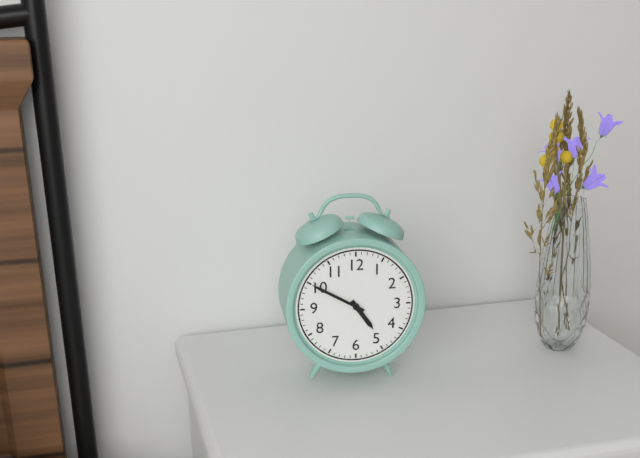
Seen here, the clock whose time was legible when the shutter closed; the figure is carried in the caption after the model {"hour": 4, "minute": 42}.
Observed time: {"hour": 4, "minute": 50}
